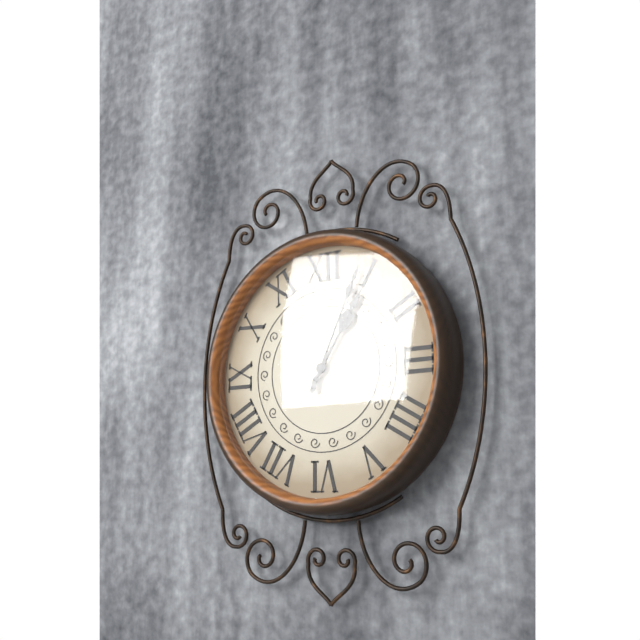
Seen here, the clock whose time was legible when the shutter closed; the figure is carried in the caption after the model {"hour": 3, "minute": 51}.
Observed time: {"hour": 1, "minute": 4}
